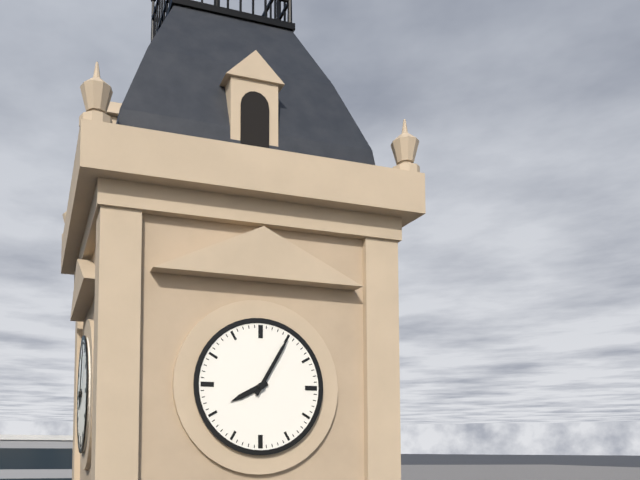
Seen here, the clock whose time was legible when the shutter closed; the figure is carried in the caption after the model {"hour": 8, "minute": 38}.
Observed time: {"hour": 8, "minute": 5}
